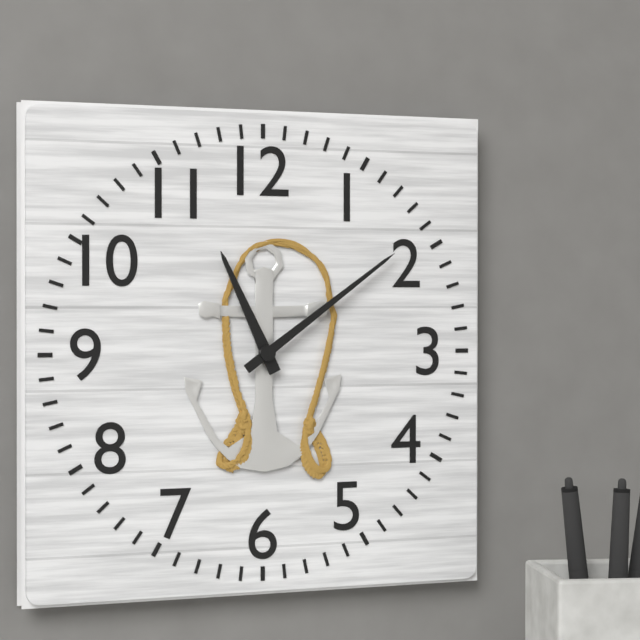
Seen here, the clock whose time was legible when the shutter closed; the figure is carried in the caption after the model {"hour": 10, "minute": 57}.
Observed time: {"hour": 11, "minute": 9}
